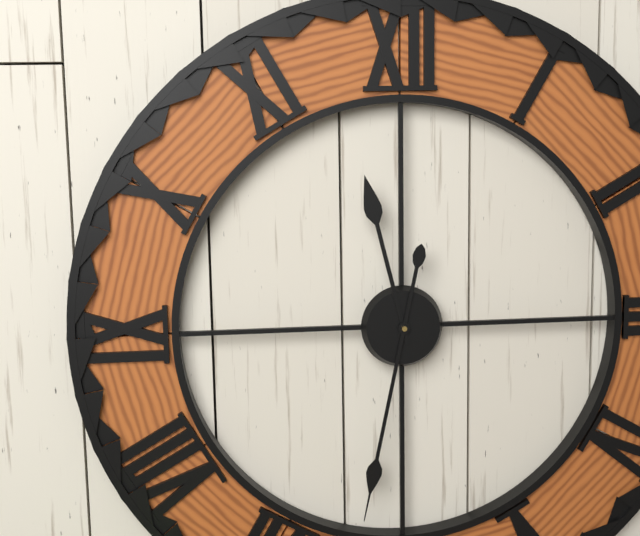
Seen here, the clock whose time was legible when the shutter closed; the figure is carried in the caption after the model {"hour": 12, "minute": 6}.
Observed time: {"hour": 11, "minute": 32}
